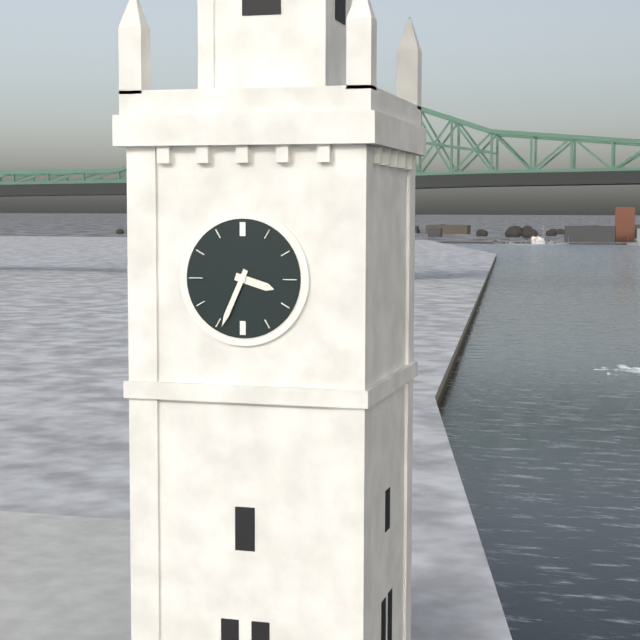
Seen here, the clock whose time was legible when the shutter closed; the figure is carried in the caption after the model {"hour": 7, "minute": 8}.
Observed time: {"hour": 3, "minute": 34}
